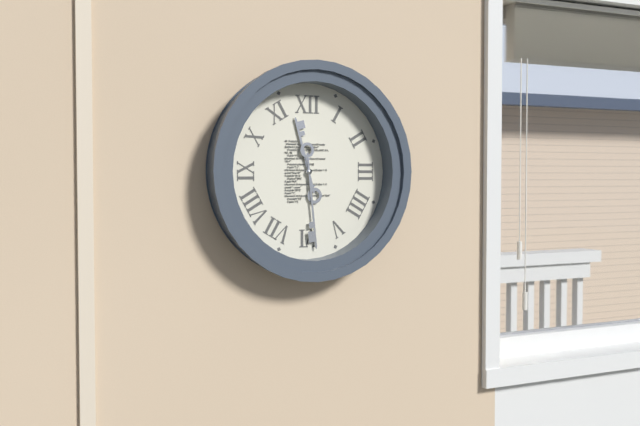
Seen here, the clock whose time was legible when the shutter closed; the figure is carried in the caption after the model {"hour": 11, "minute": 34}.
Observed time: {"hour": 11, "minute": 29}
